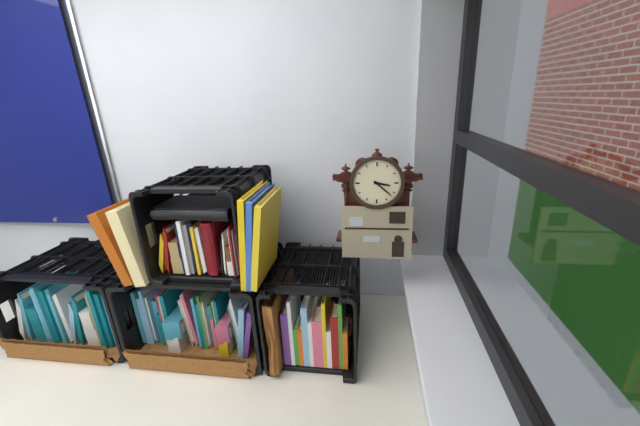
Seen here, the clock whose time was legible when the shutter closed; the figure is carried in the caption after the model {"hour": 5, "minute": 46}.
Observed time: {"hour": 3, "minute": 22}
